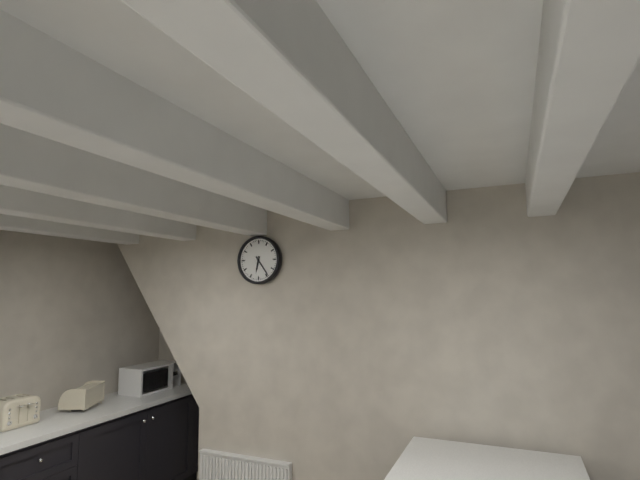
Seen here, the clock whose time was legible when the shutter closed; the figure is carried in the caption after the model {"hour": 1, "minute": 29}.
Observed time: {"hour": 6, "minute": 24}
